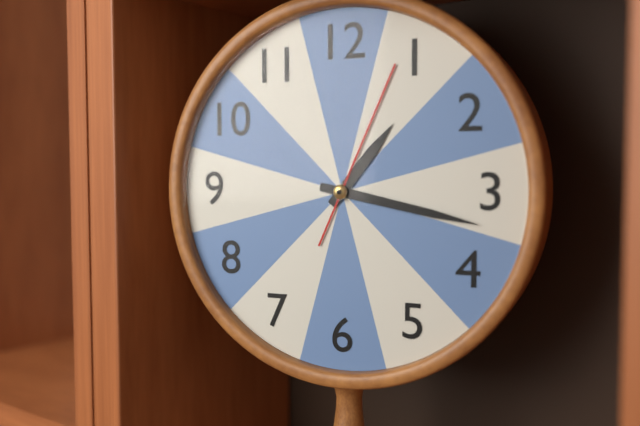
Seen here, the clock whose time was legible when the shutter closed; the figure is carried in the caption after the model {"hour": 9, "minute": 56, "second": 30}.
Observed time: {"hour": 1, "minute": 17, "second": 4}
